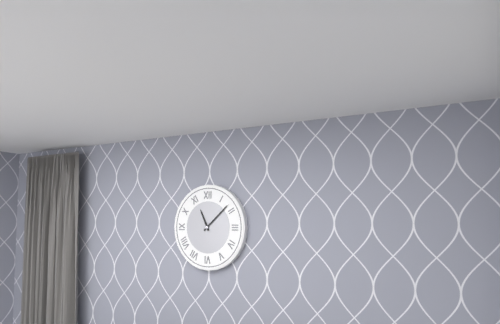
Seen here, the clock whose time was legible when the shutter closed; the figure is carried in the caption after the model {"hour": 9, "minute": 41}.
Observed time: {"hour": 11, "minute": 8}
